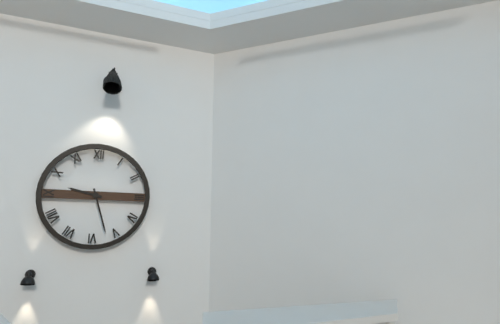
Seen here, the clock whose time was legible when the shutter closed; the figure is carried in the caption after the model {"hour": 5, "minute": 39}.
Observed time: {"hour": 9, "minute": 27}
